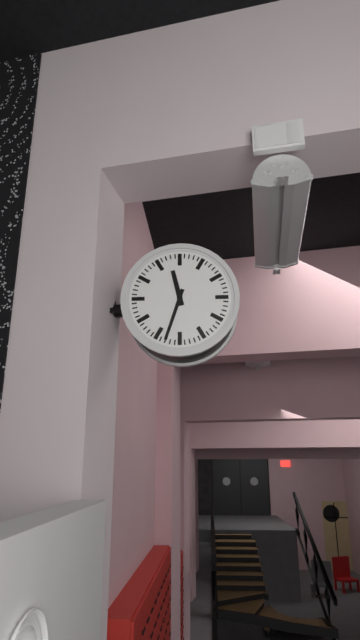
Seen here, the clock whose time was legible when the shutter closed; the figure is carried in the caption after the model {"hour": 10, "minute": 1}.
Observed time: {"hour": 11, "minute": 33}
